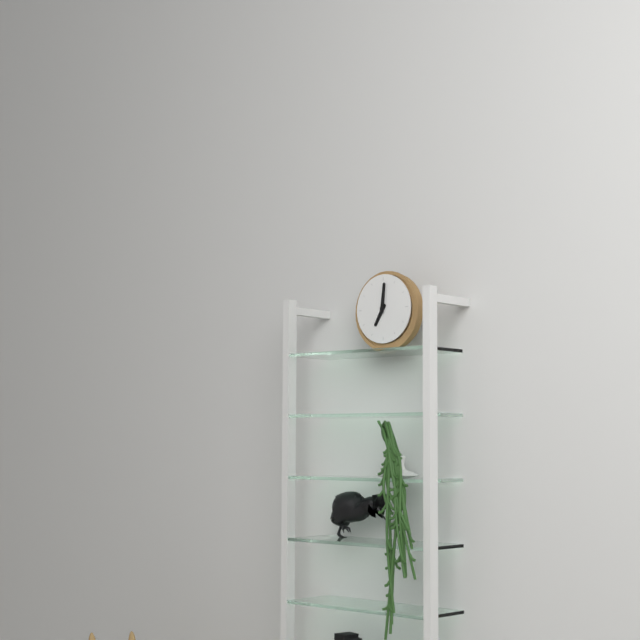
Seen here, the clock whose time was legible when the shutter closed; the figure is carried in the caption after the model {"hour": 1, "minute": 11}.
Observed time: {"hour": 7, "minute": 1}
